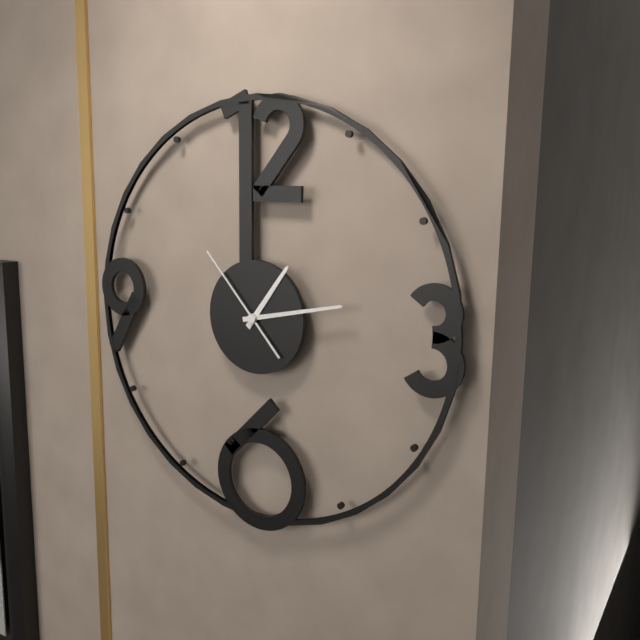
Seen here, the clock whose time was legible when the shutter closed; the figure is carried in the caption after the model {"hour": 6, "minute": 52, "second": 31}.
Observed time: {"hour": 1, "minute": 13, "second": 53}
